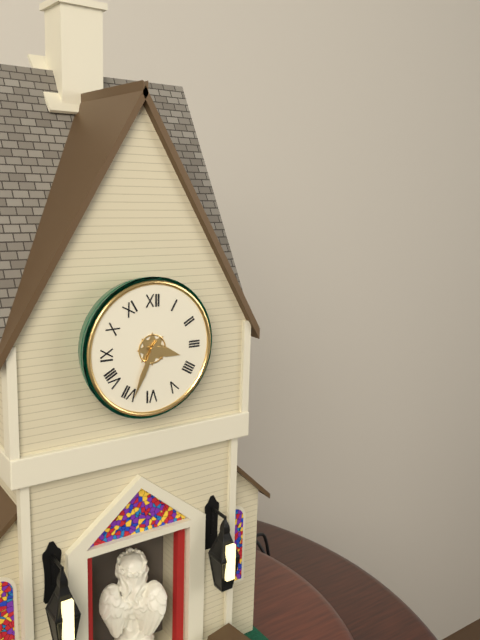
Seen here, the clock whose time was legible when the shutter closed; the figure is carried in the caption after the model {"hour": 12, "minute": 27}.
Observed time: {"hour": 3, "minute": 34}
